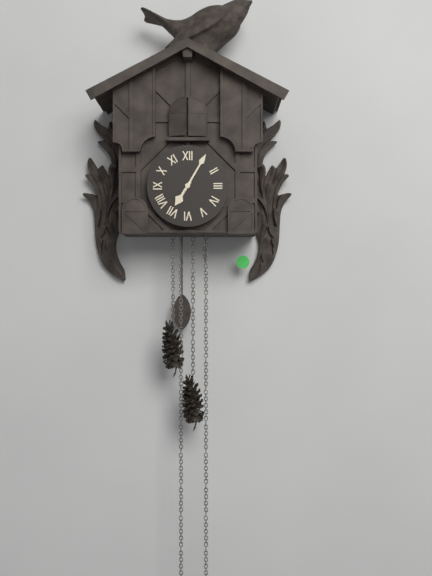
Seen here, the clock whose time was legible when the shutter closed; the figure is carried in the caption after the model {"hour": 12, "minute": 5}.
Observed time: {"hour": 7, "minute": 5}
